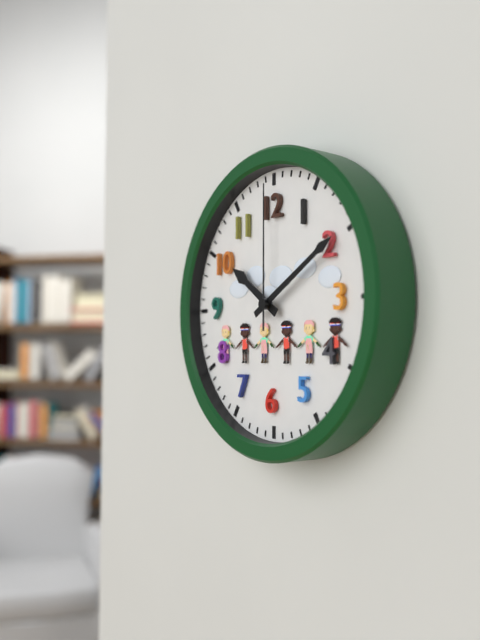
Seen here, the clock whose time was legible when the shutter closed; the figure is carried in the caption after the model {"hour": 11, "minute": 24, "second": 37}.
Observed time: {"hour": 10, "minute": 10, "second": 0}
